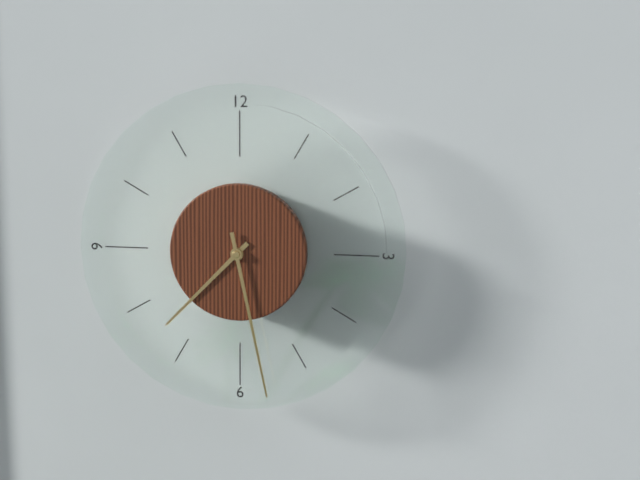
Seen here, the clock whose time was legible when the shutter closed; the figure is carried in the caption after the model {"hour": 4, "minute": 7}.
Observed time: {"hour": 7, "minute": 28}
